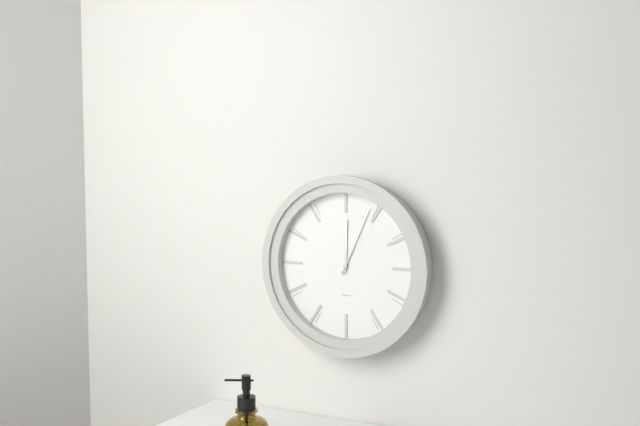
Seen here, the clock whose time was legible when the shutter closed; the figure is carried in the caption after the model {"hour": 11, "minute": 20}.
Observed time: {"hour": 12, "minute": 4}
